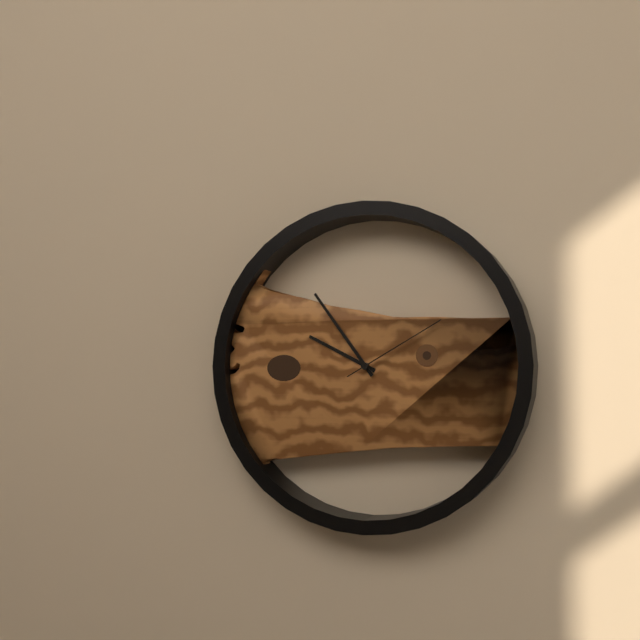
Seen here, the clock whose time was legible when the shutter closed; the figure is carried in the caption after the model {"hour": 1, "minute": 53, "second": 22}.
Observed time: {"hour": 9, "minute": 54, "second": 10}
